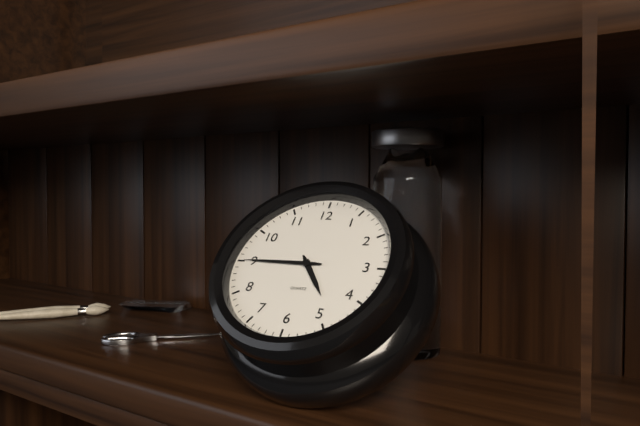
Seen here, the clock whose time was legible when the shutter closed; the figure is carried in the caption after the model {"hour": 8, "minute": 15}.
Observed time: {"hour": 4, "minute": 45}
